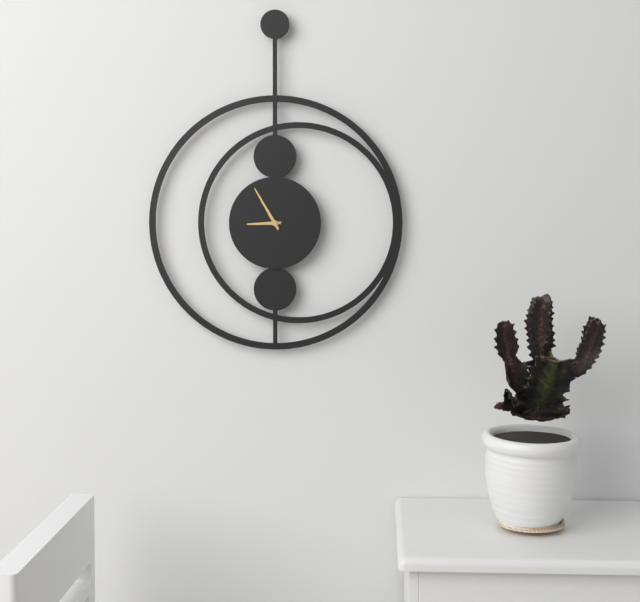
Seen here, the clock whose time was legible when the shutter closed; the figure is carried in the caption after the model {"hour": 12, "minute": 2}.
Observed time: {"hour": 8, "minute": 55}
